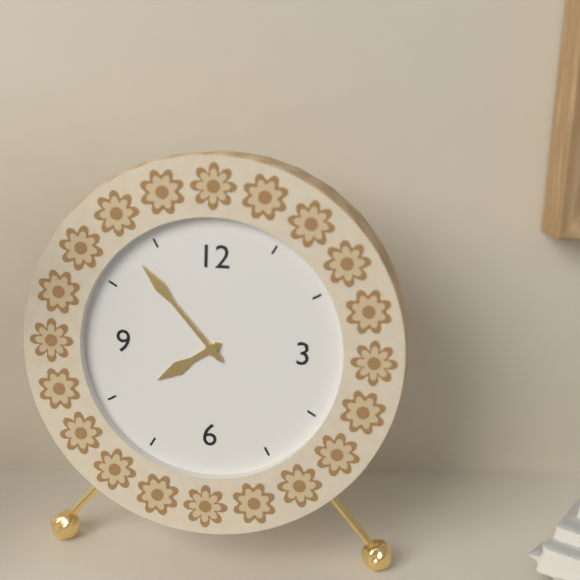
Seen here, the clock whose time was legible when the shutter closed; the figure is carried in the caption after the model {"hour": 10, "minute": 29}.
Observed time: {"hour": 7, "minute": 53}
